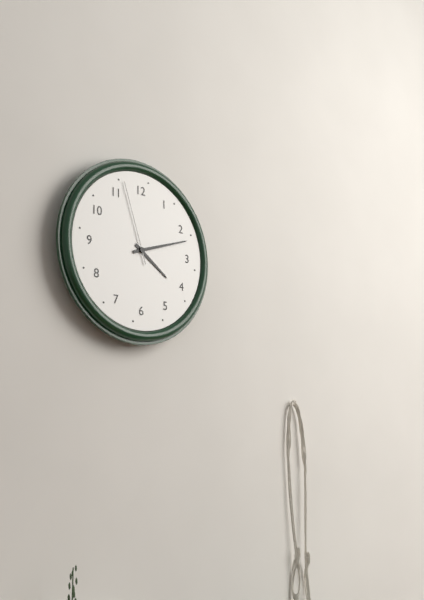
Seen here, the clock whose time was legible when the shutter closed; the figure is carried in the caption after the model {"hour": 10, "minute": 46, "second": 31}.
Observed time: {"hour": 4, "minute": 12, "second": 57}
